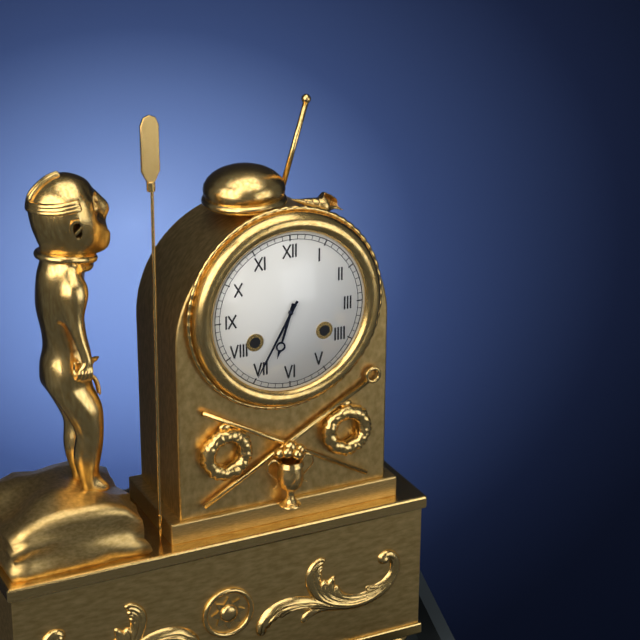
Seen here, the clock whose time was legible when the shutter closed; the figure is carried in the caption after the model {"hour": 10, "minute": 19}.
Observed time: {"hour": 6, "minute": 35}
